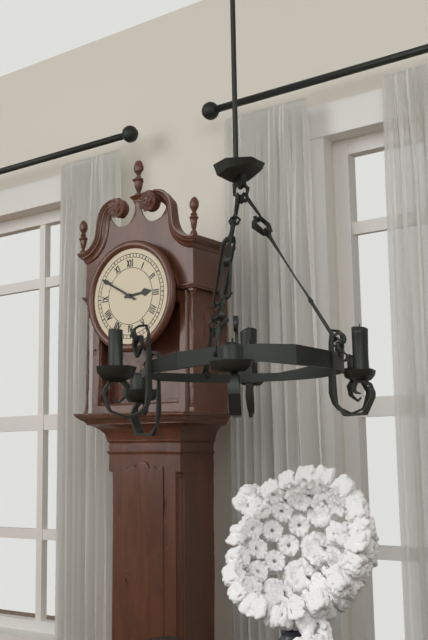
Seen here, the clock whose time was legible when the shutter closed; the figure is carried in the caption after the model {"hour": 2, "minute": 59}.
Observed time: {"hour": 2, "minute": 50}
